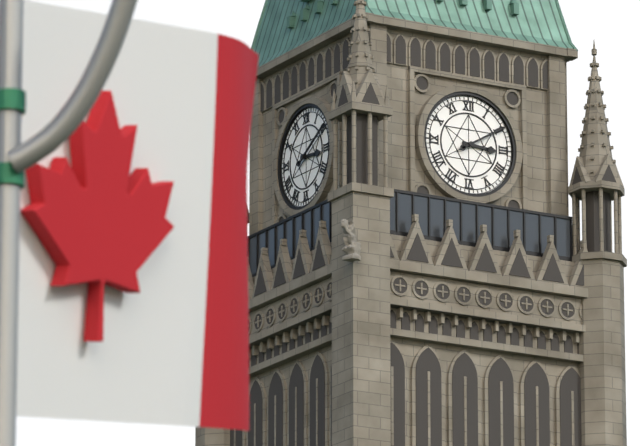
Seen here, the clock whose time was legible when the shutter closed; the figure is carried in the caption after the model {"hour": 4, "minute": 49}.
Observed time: {"hour": 3, "minute": 10}
